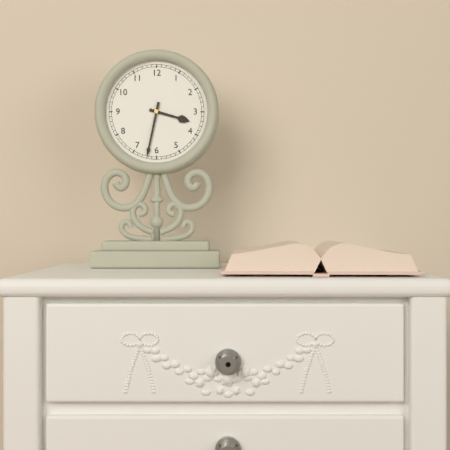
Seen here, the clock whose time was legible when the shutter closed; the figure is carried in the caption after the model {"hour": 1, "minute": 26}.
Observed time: {"hour": 3, "minute": 32}
